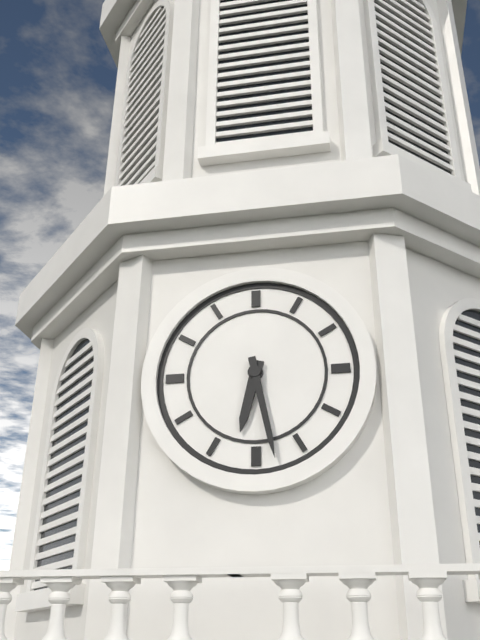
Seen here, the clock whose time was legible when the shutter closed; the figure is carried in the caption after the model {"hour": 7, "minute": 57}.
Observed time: {"hour": 6, "minute": 28}
